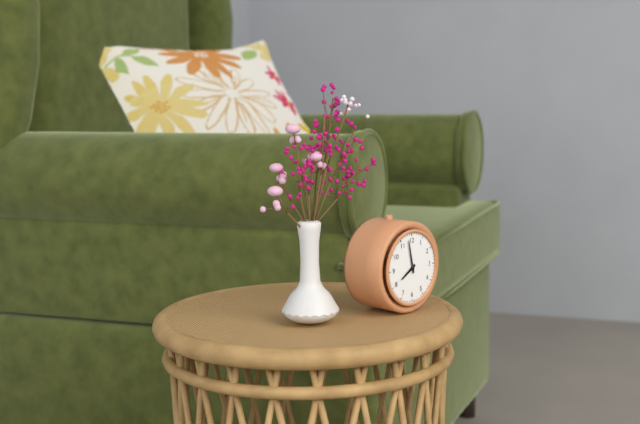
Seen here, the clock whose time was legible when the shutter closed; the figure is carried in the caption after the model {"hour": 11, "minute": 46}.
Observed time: {"hour": 7, "minute": 58}
